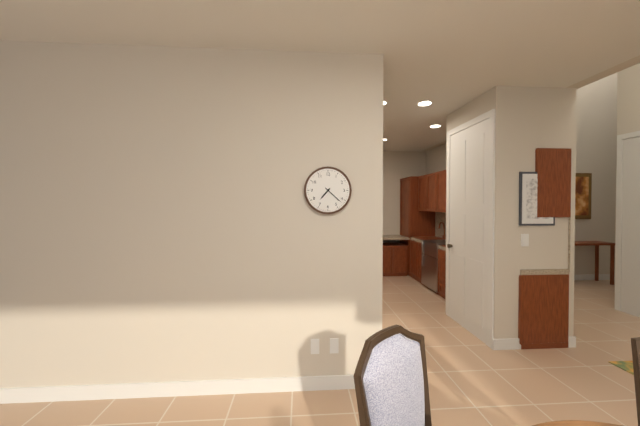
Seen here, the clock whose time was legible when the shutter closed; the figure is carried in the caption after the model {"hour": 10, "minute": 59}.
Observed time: {"hour": 7, "minute": 22}
